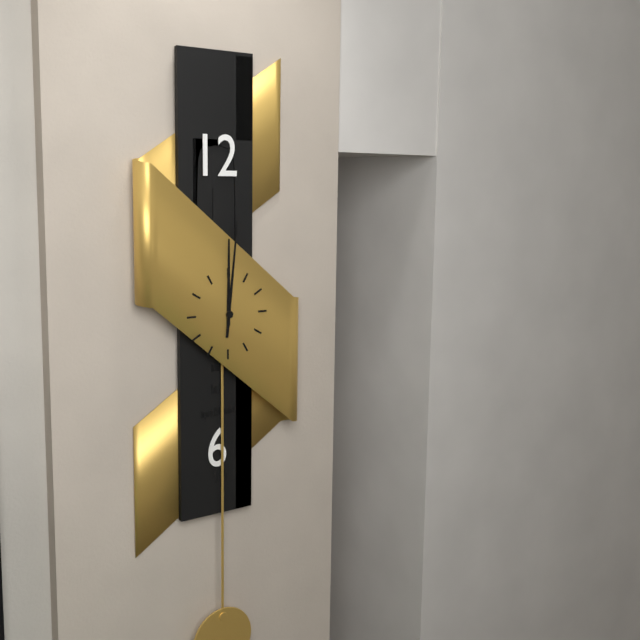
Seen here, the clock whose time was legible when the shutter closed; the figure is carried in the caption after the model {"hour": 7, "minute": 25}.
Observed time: {"hour": 12, "minute": 1}
